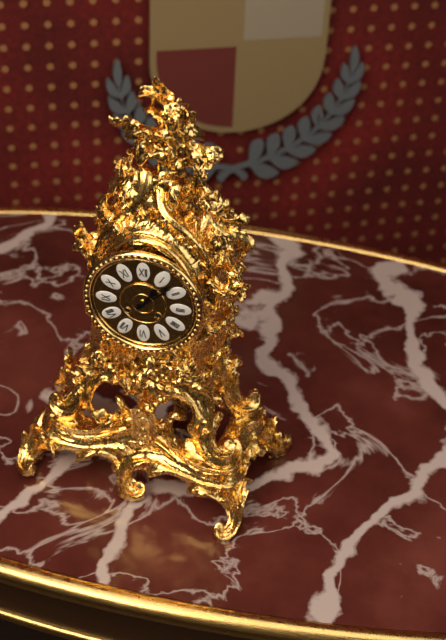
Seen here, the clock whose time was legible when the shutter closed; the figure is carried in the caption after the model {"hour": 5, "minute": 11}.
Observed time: {"hour": 1, "minute": 8}
